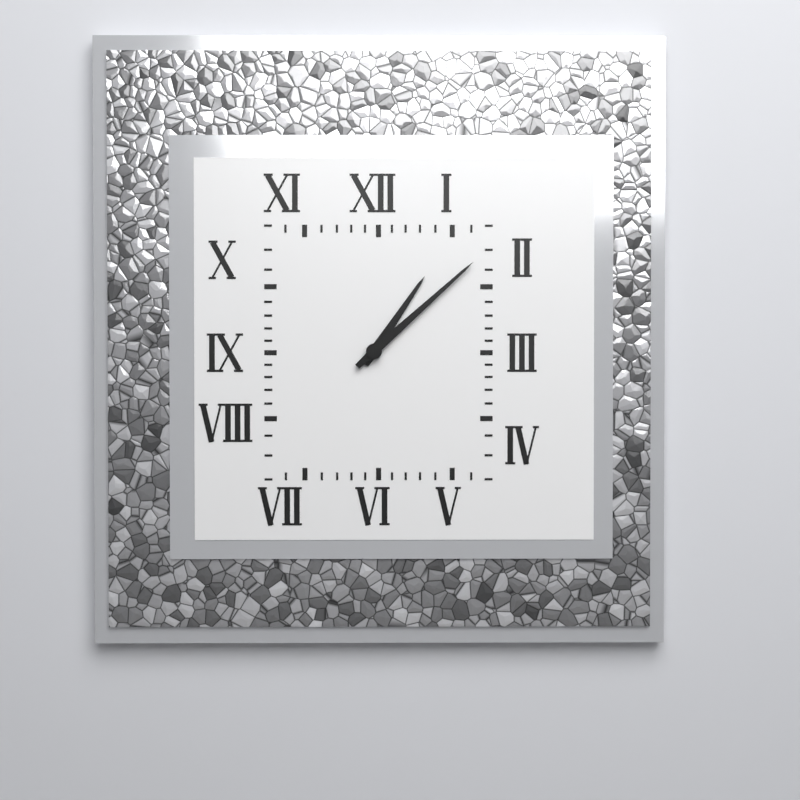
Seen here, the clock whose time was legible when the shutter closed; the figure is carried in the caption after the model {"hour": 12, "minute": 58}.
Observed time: {"hour": 1, "minute": 8}
